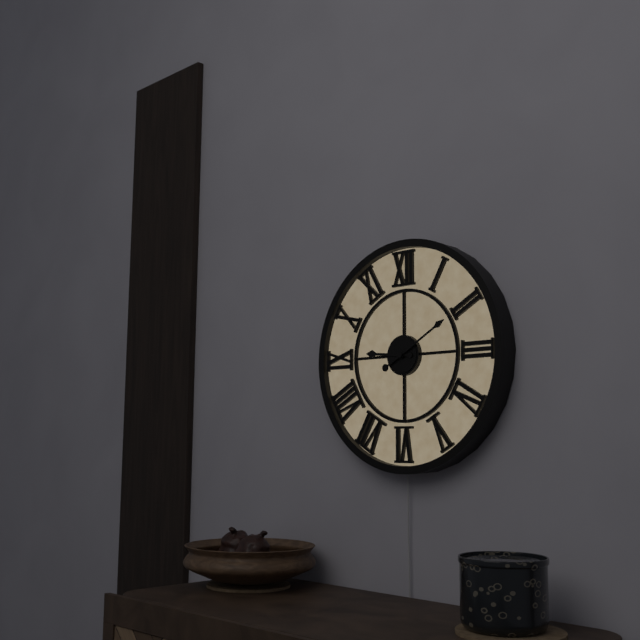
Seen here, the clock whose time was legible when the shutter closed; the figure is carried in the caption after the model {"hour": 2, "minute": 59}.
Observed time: {"hour": 9, "minute": 10}
